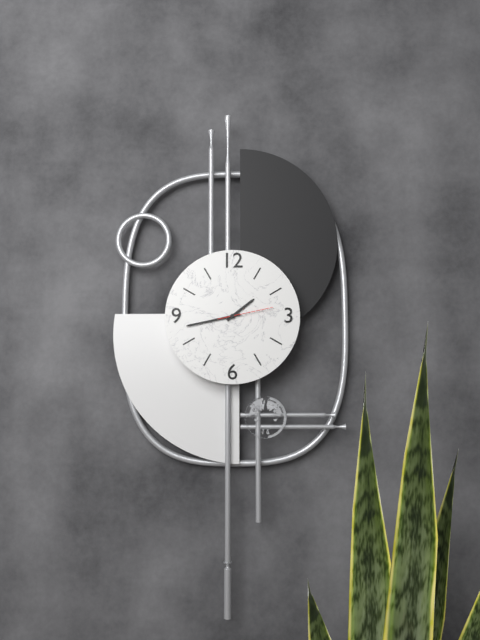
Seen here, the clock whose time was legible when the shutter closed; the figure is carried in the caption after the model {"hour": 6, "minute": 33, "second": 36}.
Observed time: {"hour": 1, "minute": 43, "second": 13}
